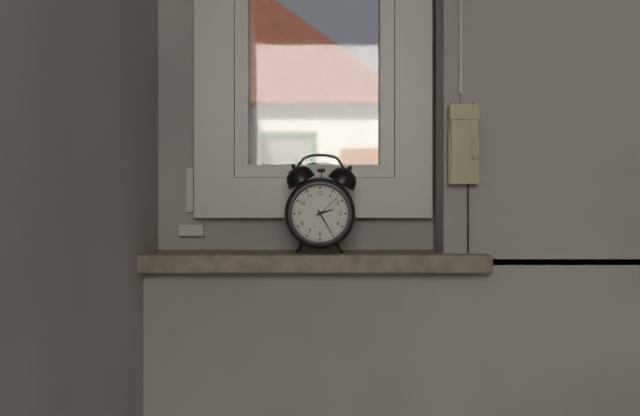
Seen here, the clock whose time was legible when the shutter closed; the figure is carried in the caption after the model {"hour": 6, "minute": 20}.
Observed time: {"hour": 2, "minute": 25}
